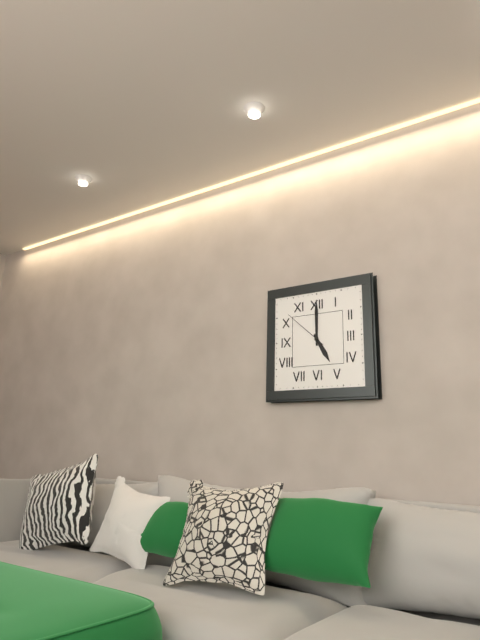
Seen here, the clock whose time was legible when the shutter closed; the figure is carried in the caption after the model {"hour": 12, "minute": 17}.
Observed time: {"hour": 5, "minute": 0}
